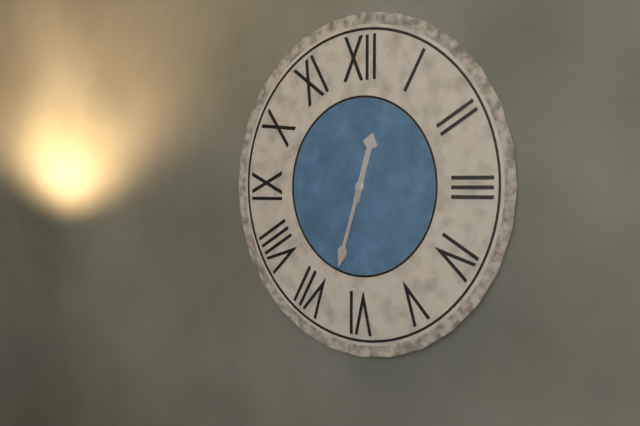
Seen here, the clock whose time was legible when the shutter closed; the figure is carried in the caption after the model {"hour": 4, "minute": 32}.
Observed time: {"hour": 12, "minute": 33}
